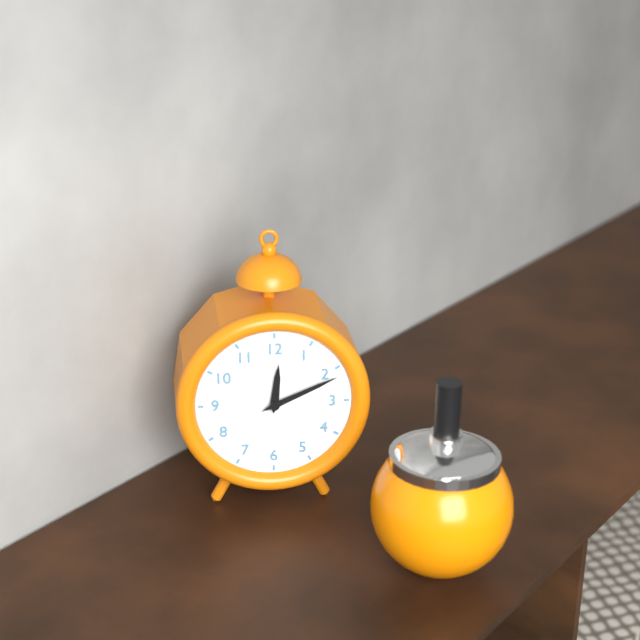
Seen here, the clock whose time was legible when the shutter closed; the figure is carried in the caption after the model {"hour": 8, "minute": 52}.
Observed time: {"hour": 12, "minute": 11}
